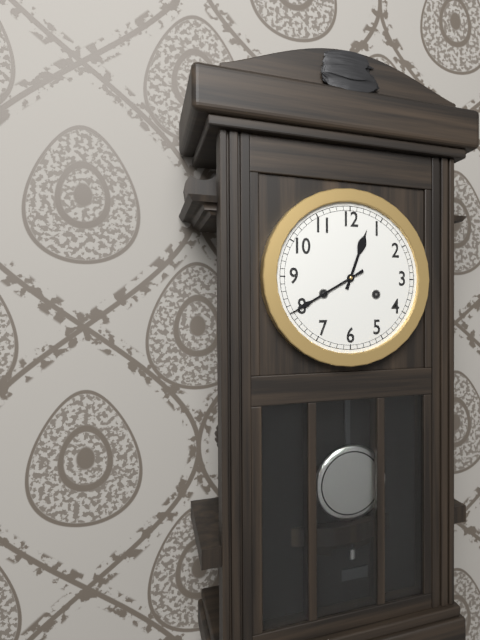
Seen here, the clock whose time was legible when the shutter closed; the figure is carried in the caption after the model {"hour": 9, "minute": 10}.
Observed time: {"hour": 12, "minute": 40}
